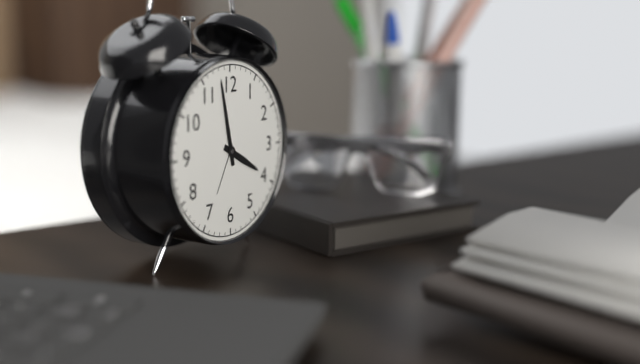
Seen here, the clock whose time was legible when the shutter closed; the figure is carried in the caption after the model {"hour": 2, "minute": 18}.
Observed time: {"hour": 3, "minute": 58}
